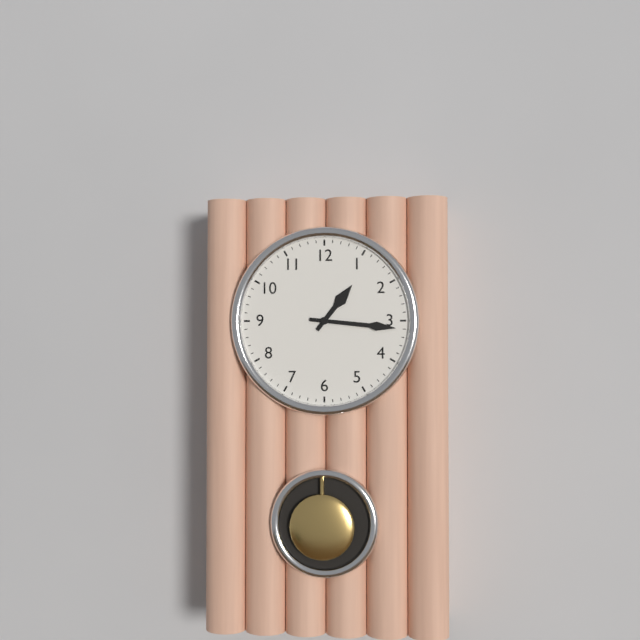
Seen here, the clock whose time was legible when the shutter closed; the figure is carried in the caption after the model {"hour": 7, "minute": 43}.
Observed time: {"hour": 1, "minute": 16}
